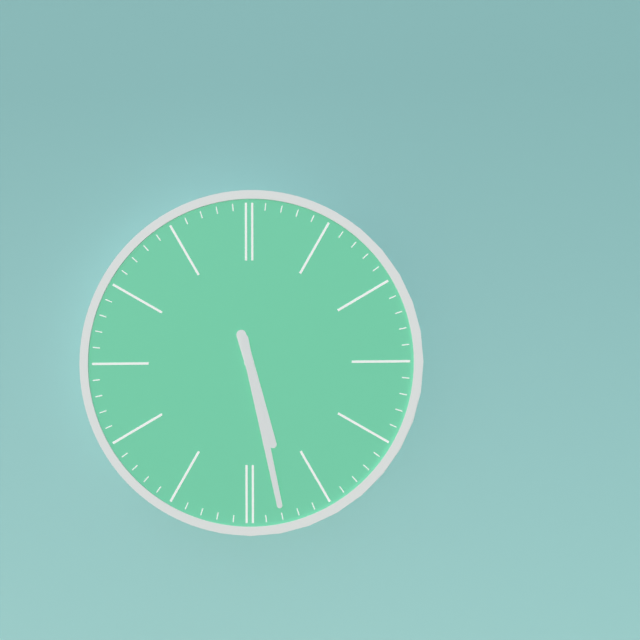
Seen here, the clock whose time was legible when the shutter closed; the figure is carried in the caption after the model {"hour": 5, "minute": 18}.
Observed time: {"hour": 5, "minute": 28}
